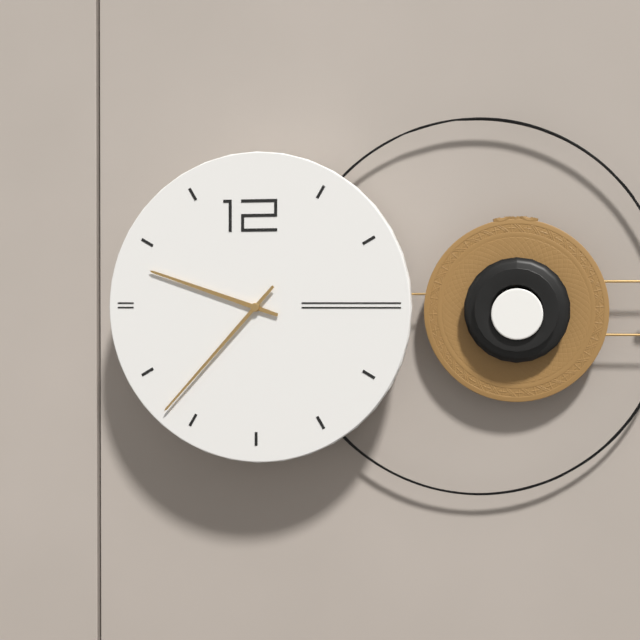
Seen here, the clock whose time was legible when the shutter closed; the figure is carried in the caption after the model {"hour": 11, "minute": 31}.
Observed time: {"hour": 9, "minute": 37}
